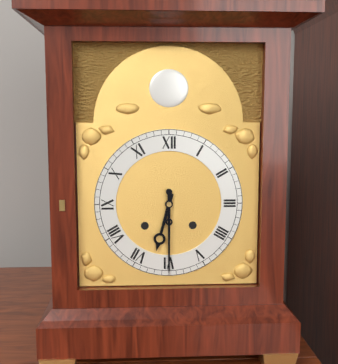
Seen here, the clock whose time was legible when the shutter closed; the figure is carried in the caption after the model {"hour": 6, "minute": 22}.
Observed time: {"hour": 6, "minute": 30}
